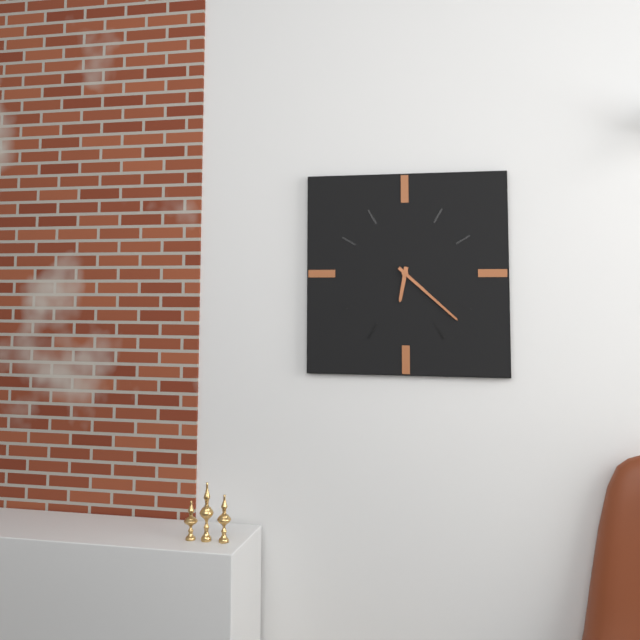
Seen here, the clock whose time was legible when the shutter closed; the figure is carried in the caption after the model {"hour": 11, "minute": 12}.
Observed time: {"hour": 6, "minute": 22}
